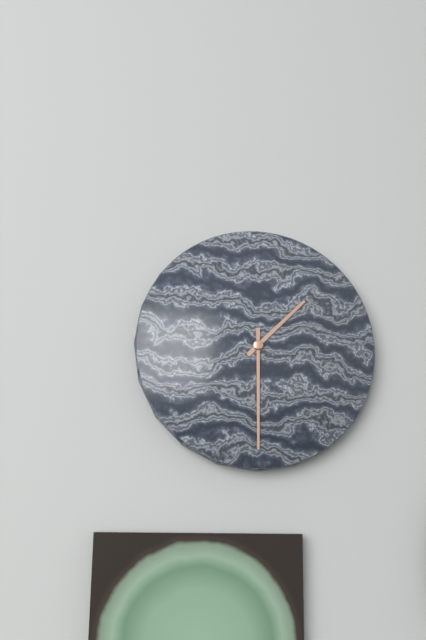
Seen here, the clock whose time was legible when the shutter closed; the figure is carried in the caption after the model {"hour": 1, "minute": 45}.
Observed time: {"hour": 1, "minute": 30}
